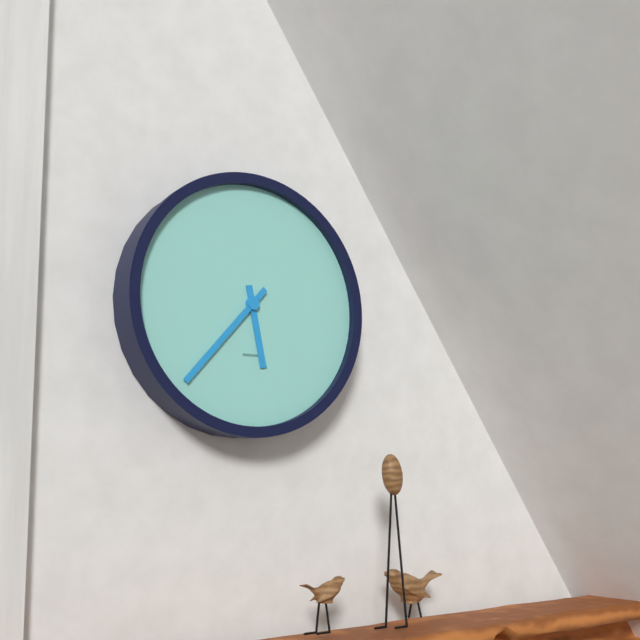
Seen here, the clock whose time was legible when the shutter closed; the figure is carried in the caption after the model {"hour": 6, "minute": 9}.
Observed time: {"hour": 5, "minute": 37}
